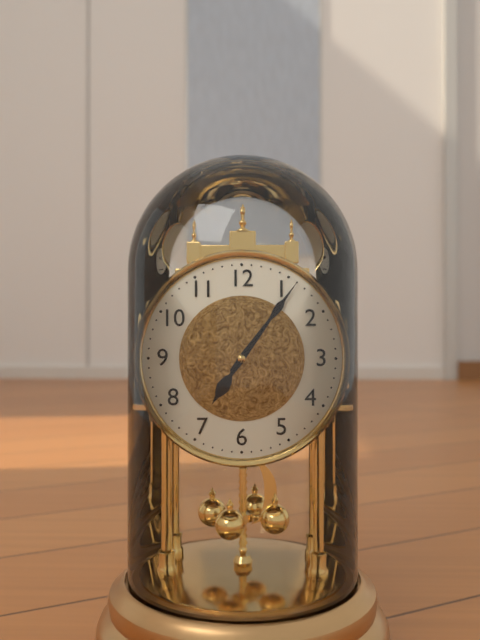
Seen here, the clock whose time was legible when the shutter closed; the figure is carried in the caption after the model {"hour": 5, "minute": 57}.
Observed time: {"hour": 7, "minute": 6}
